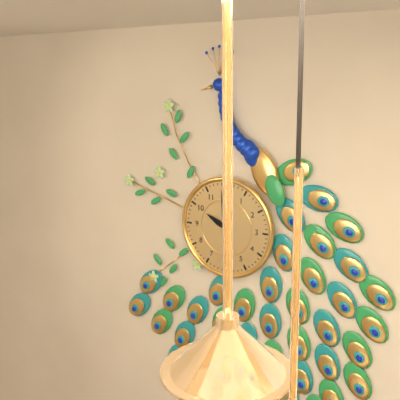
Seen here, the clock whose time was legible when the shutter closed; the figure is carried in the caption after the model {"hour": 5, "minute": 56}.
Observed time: {"hour": 9, "minute": 59}
